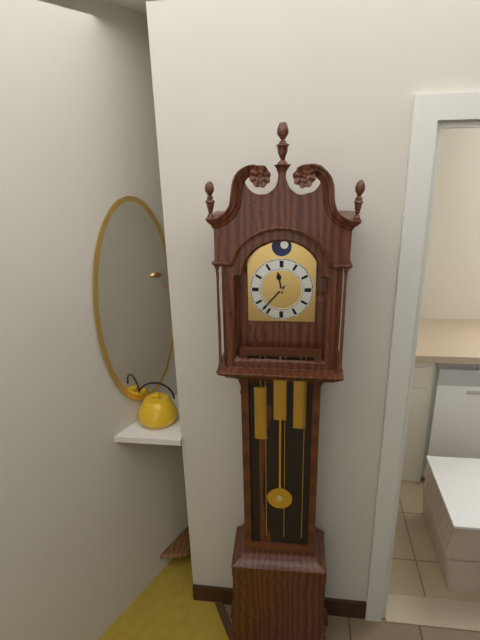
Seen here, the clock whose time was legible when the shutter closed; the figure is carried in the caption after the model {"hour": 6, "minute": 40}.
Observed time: {"hour": 11, "minute": 37}
